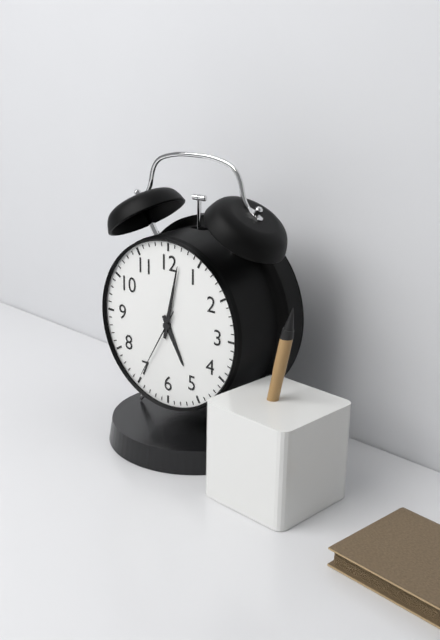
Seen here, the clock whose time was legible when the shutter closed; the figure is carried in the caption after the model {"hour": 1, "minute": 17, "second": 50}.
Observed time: {"hour": 5, "minute": 2, "second": 35}
